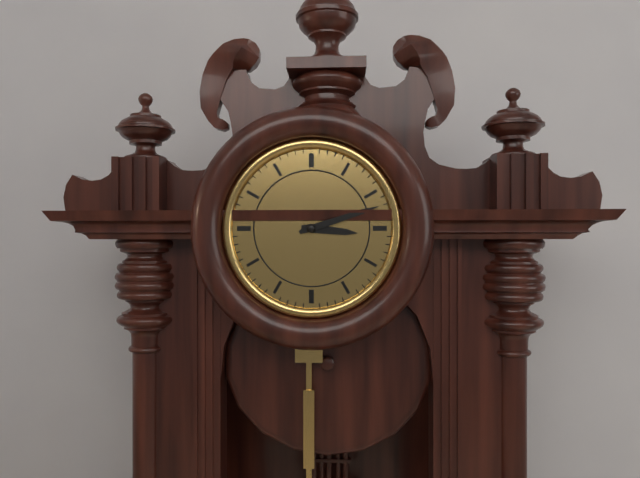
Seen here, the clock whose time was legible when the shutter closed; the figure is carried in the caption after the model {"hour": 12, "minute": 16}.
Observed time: {"hour": 3, "minute": 12}
